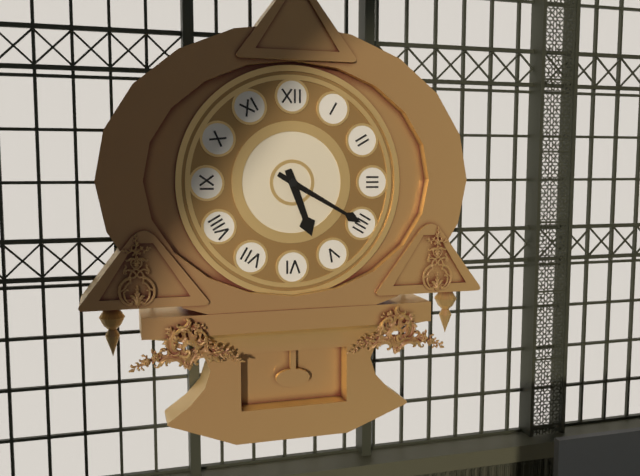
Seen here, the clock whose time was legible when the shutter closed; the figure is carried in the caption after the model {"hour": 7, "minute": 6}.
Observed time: {"hour": 5, "minute": 20}
